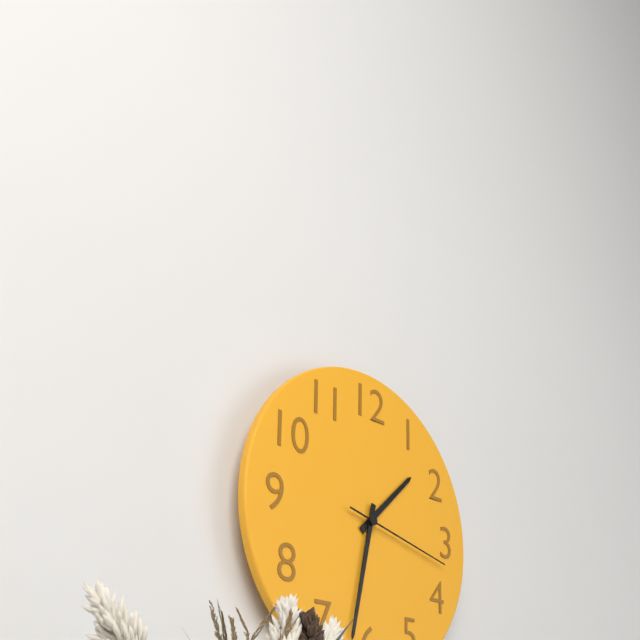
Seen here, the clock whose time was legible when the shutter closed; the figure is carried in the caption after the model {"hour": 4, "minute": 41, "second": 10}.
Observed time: {"hour": 1, "minute": 32, "second": 17}
